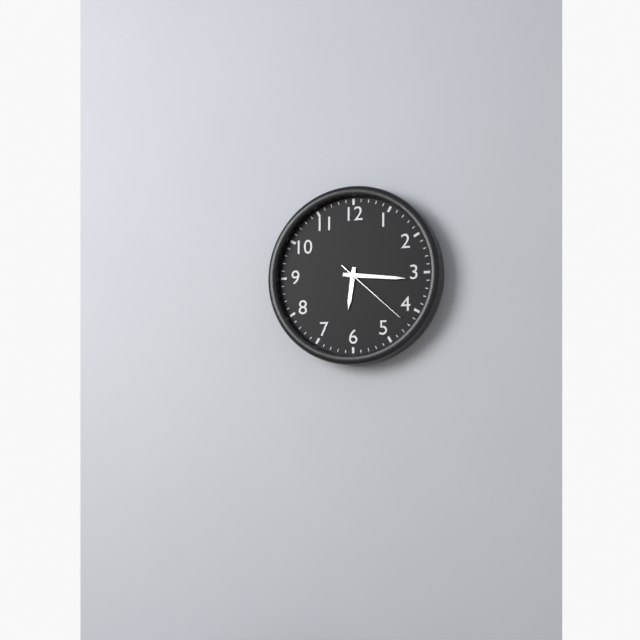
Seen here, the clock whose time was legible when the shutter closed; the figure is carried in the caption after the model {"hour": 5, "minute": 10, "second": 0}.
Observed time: {"hour": 6, "minute": 16, "second": 22}
